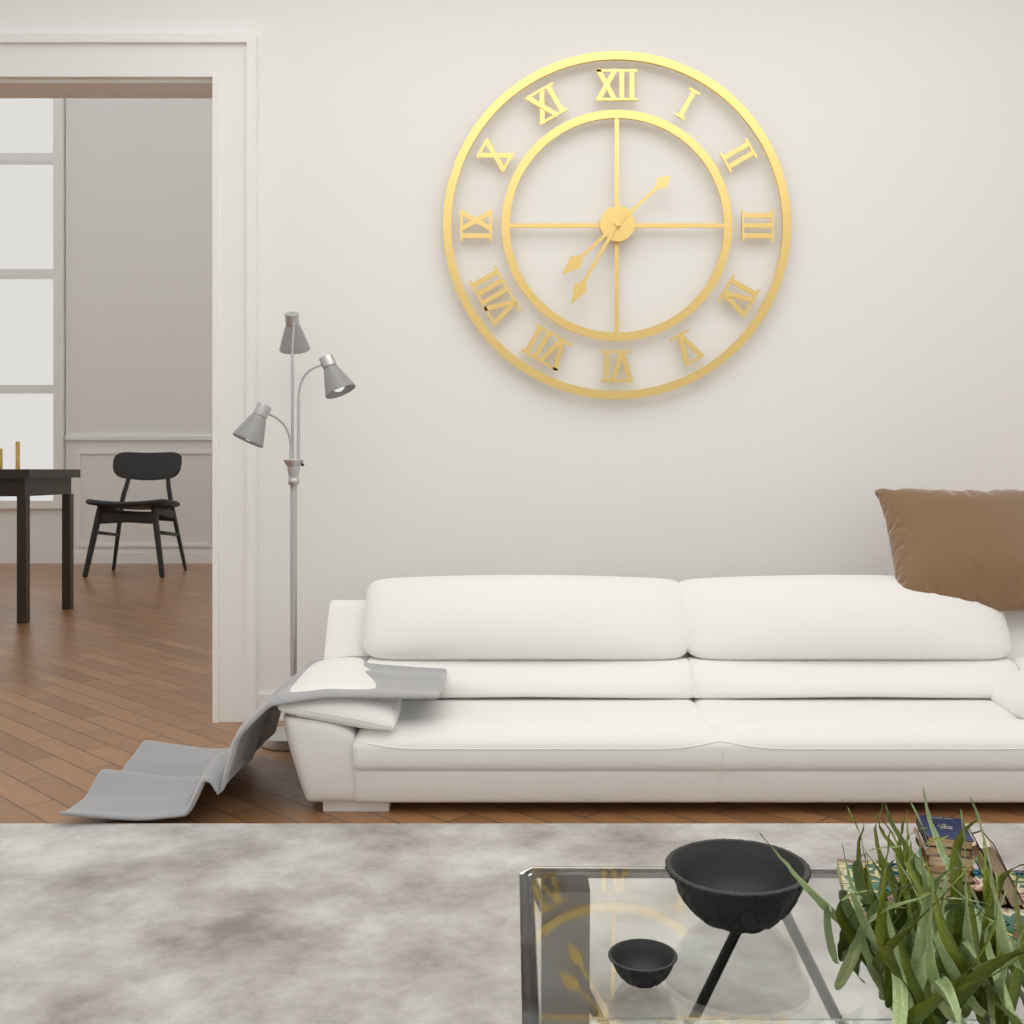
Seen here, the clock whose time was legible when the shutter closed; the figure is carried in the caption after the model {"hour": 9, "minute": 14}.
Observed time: {"hour": 7, "minute": 35}
